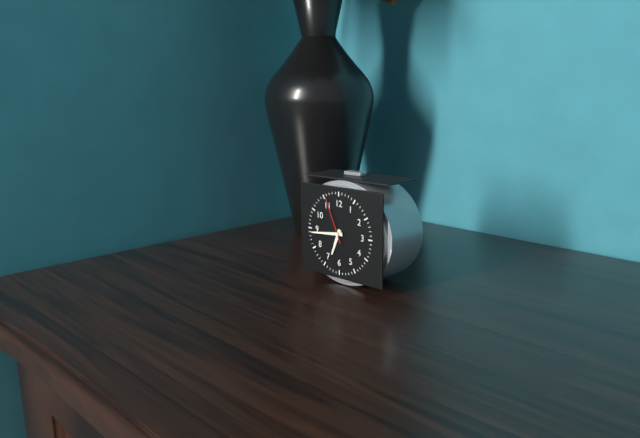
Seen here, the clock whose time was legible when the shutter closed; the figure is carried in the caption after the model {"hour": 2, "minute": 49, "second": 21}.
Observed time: {"hour": 6, "minute": 44, "second": 56}
